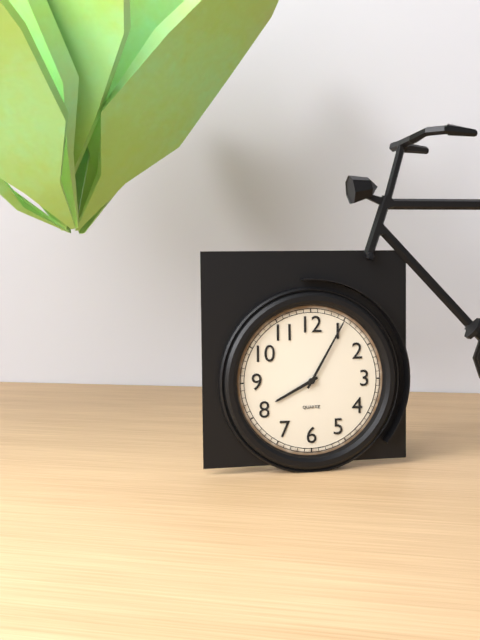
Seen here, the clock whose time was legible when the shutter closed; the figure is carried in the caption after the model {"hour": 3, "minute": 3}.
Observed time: {"hour": 8, "minute": 5}
